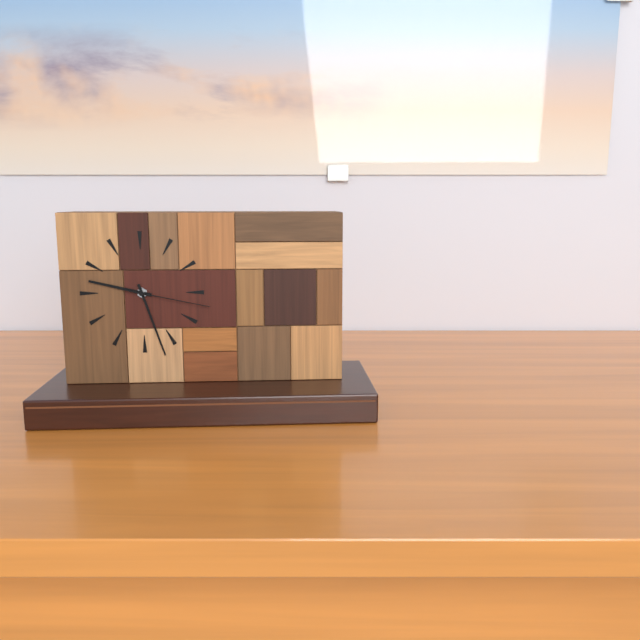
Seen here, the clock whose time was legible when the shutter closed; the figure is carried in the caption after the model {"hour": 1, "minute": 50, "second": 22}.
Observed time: {"hour": 9, "minute": 27, "second": 17}
